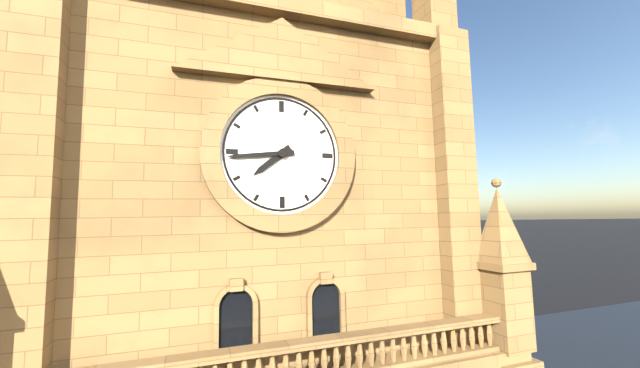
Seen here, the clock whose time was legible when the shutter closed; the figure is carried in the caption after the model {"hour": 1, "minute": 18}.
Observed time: {"hour": 7, "minute": 44}
